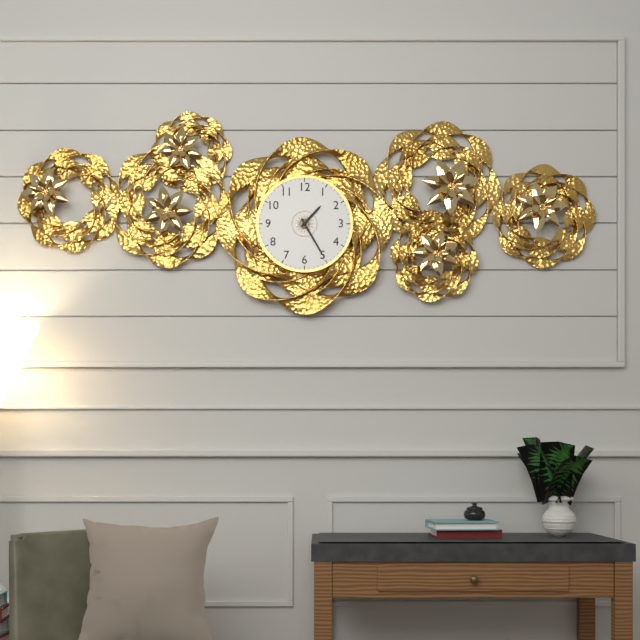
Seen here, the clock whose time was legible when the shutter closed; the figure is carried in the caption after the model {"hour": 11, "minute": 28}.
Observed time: {"hour": 1, "minute": 25}
